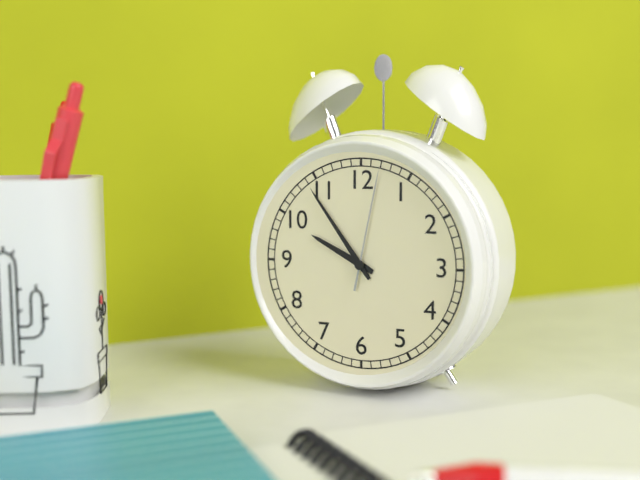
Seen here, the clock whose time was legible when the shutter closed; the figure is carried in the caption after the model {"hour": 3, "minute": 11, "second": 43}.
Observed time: {"hour": 9, "minute": 54, "second": 2}
